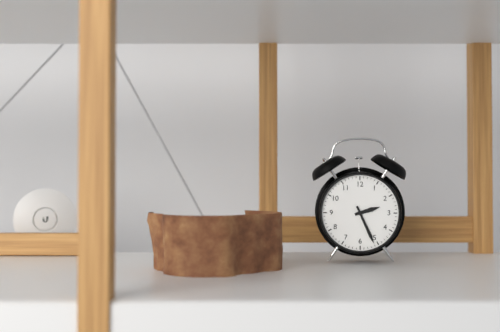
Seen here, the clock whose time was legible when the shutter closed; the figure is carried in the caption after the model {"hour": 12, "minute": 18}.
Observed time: {"hour": 2, "minute": 26}
